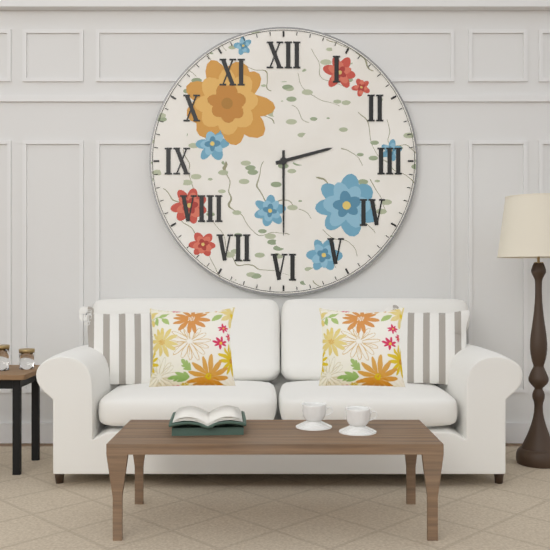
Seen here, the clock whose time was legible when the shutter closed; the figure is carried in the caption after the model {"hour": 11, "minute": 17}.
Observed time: {"hour": 2, "minute": 30}
